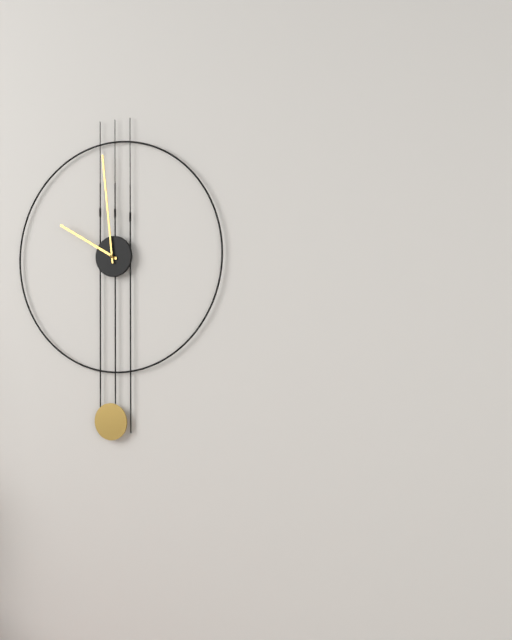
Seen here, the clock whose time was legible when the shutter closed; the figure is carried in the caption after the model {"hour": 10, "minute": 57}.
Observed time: {"hour": 9, "minute": 59}
